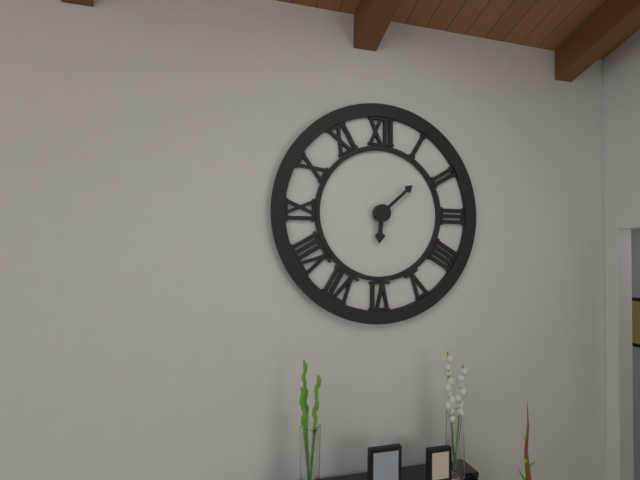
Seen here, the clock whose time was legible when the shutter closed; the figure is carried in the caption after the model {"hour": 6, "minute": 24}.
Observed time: {"hour": 6, "minute": 8}
